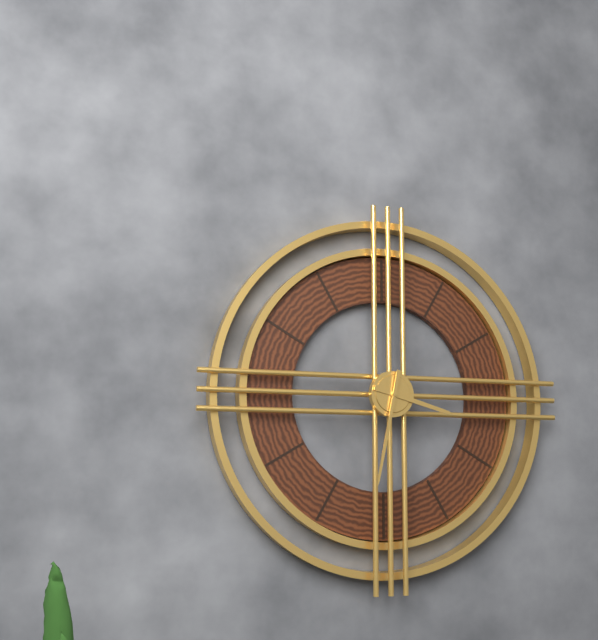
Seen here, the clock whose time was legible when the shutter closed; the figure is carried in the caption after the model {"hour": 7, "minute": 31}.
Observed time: {"hour": 3, "minute": 32}
